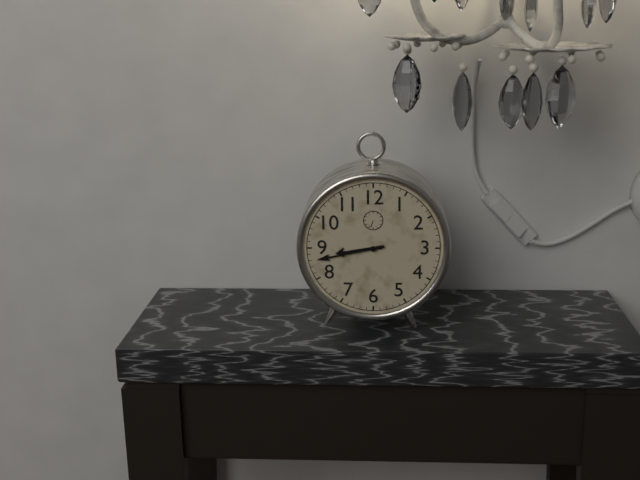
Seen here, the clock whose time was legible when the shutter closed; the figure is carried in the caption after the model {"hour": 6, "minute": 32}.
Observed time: {"hour": 8, "minute": 43}
